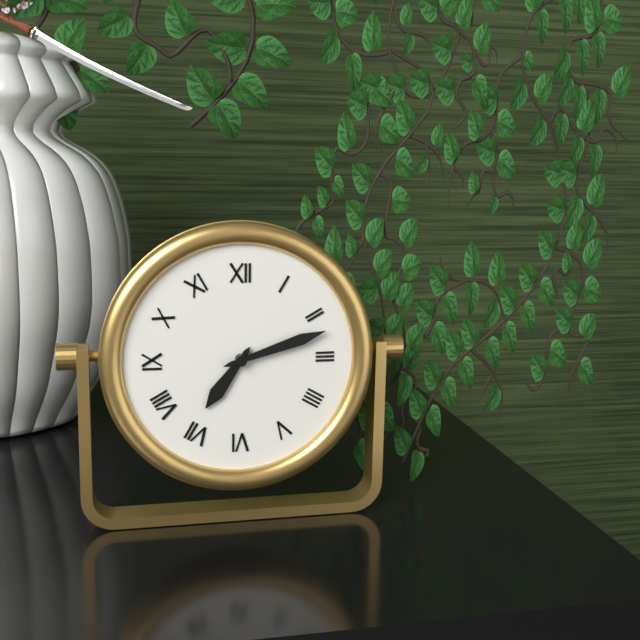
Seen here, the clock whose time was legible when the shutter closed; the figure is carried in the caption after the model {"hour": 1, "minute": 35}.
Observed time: {"hour": 7, "minute": 12}
